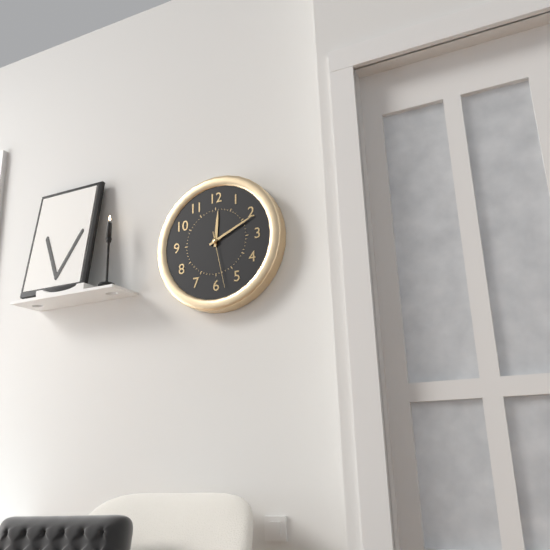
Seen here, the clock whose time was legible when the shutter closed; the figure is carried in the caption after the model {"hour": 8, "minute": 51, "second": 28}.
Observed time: {"hour": 12, "minute": 11, "second": 28}
